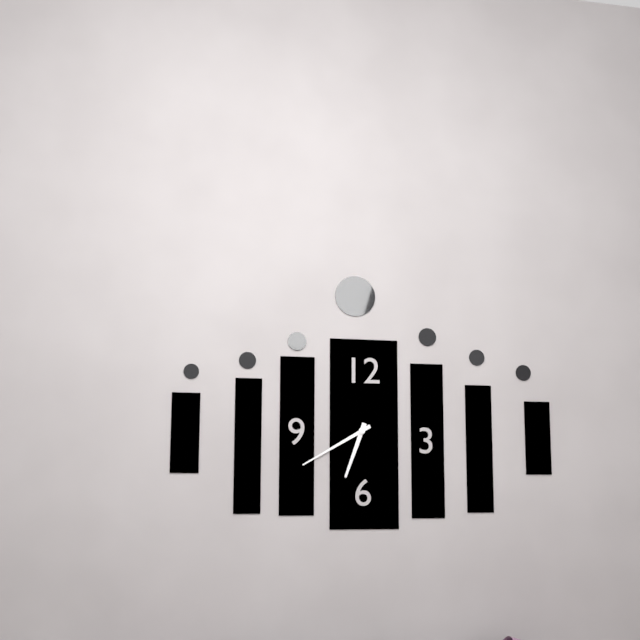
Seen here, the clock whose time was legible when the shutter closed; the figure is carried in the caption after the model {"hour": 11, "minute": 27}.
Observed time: {"hour": 6, "minute": 40}
